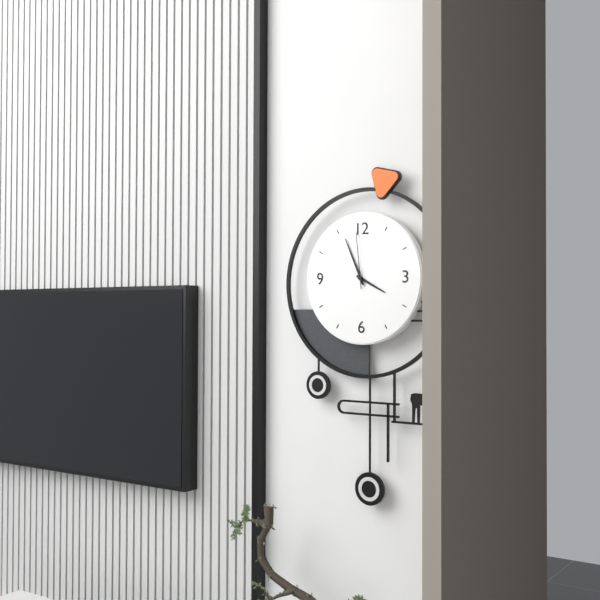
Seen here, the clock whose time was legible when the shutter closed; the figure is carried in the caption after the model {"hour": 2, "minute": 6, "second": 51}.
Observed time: {"hour": 3, "minute": 56, "second": 59}
